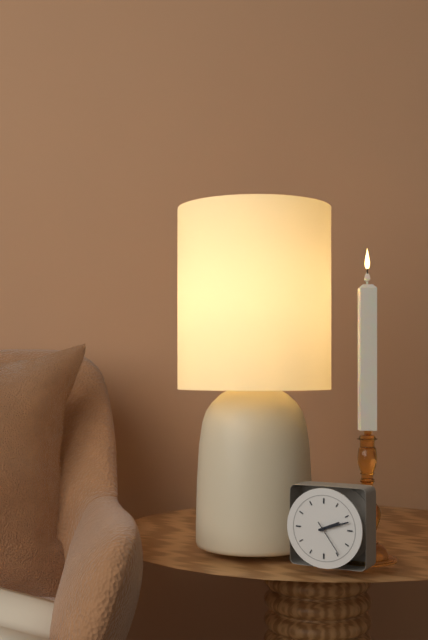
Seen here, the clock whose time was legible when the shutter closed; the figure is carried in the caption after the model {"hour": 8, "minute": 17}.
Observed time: {"hour": 2, "minute": 12}
